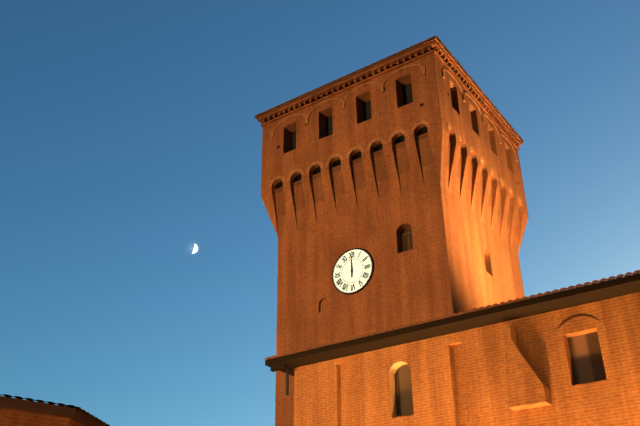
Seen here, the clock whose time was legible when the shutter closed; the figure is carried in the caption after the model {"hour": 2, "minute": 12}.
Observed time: {"hour": 12, "minute": 0}
